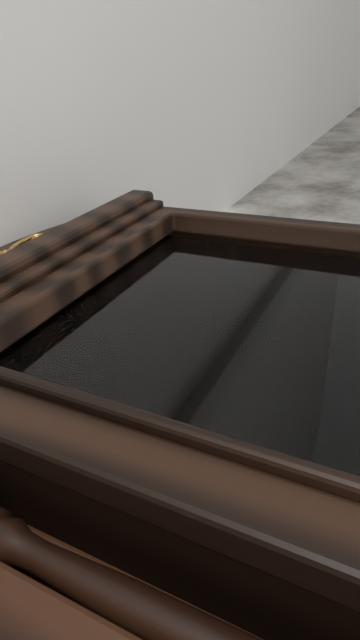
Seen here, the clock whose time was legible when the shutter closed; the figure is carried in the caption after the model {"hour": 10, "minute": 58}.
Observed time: {"hour": 6, "minute": 53}
